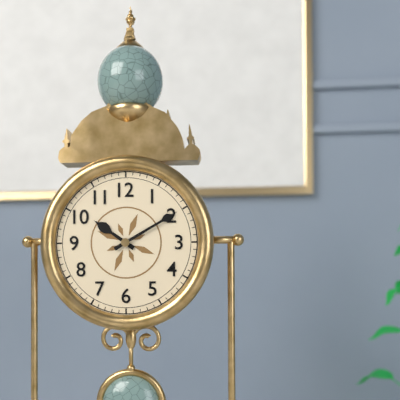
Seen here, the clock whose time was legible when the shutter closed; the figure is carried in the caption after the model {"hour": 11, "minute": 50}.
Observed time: {"hour": 10, "minute": 10}
